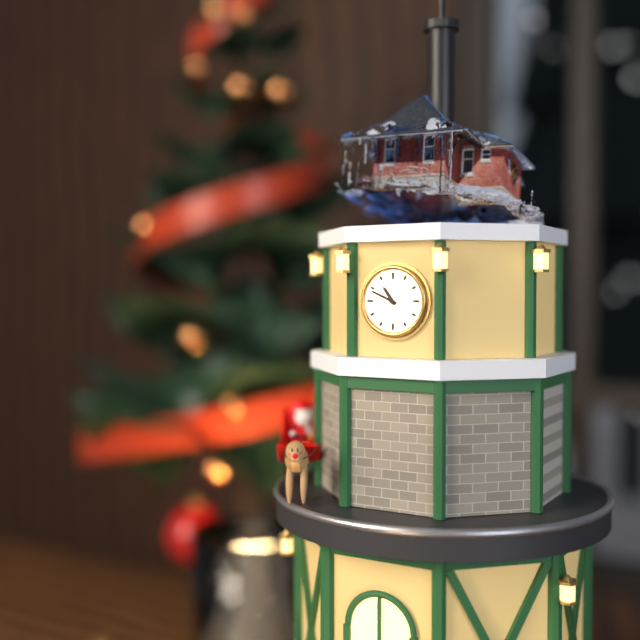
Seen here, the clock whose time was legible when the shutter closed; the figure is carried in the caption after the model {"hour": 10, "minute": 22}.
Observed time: {"hour": 10, "minute": 49}
